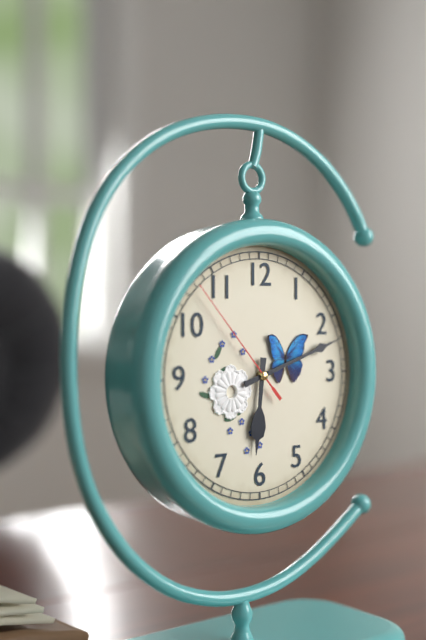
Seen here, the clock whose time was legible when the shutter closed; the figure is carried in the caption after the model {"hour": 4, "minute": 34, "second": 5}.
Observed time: {"hour": 6, "minute": 12, "second": 53}
